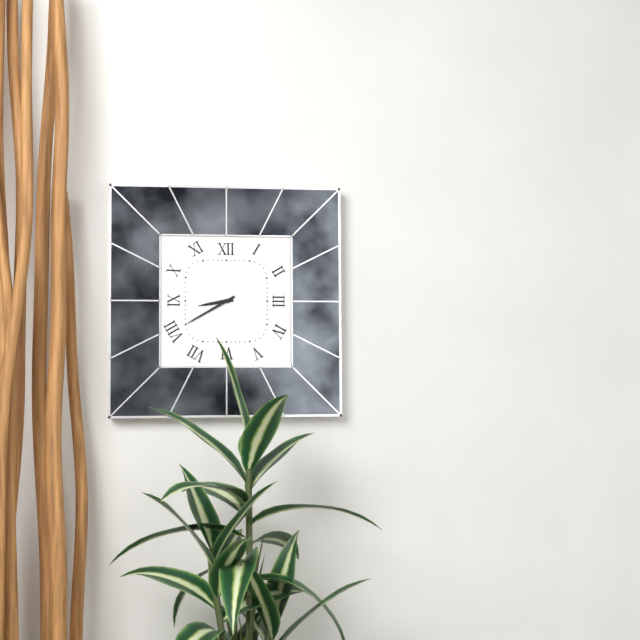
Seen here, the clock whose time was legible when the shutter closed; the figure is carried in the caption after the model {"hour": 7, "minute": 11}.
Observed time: {"hour": 8, "minute": 40}
